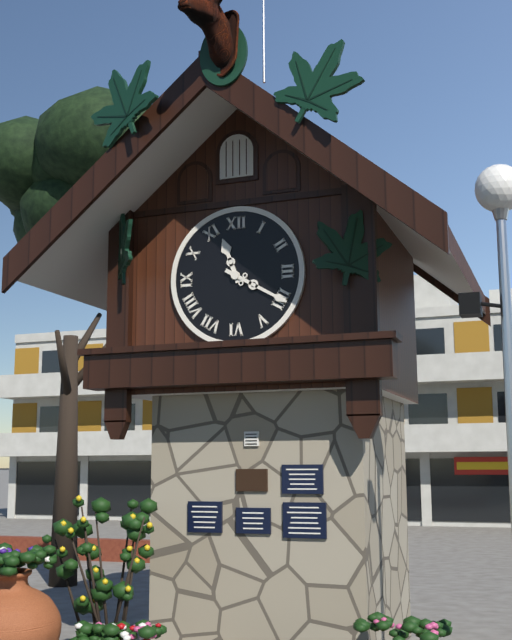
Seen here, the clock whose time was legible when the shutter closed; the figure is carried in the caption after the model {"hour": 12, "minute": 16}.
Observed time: {"hour": 11, "minute": 20}
